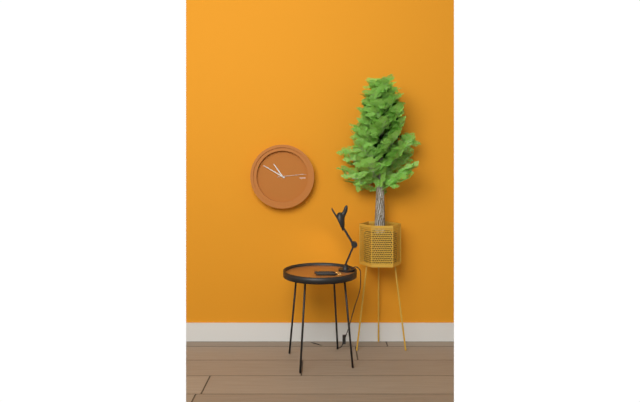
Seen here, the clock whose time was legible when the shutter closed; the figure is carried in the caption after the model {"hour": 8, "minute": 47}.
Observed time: {"hour": 10, "minute": 50}
